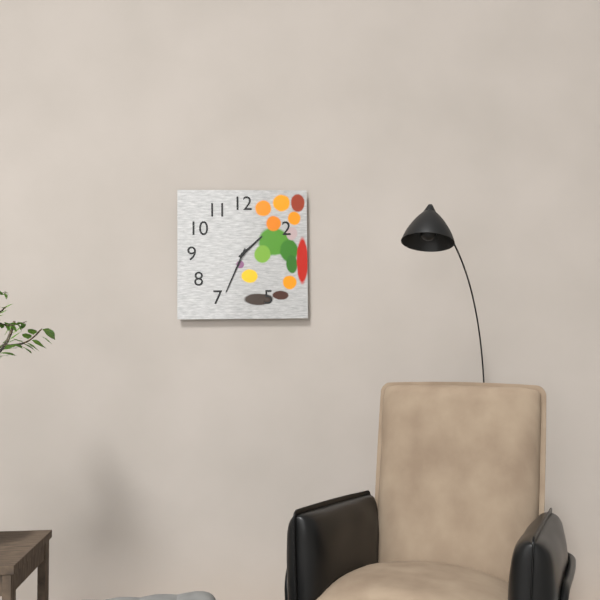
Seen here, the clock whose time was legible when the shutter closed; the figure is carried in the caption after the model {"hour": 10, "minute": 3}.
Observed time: {"hour": 1, "minute": 34}
